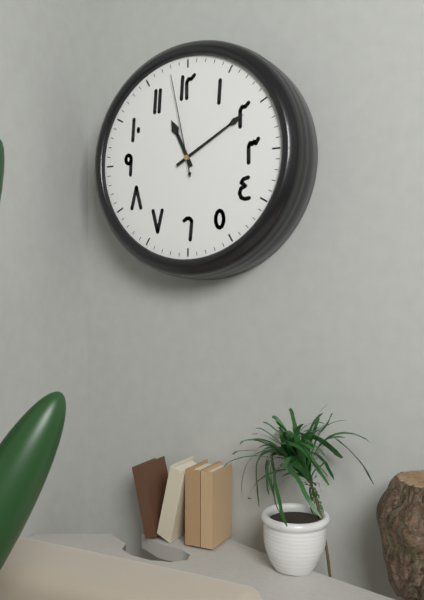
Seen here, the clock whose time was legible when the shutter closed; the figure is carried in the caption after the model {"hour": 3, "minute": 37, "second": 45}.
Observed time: {"hour": 11, "minute": 10, "second": 58}
